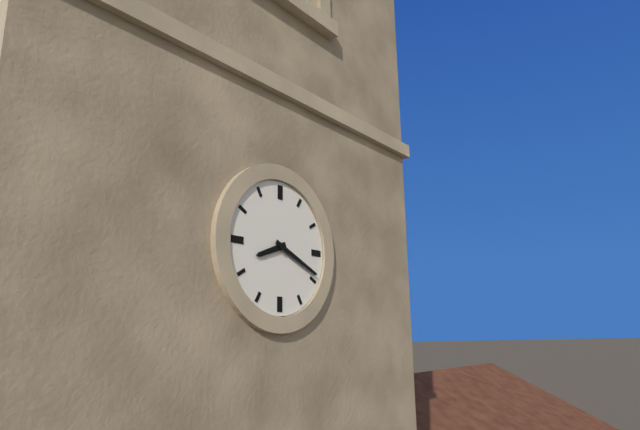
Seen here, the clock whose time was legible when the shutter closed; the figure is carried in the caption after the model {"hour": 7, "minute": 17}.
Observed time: {"hour": 8, "minute": 19}
